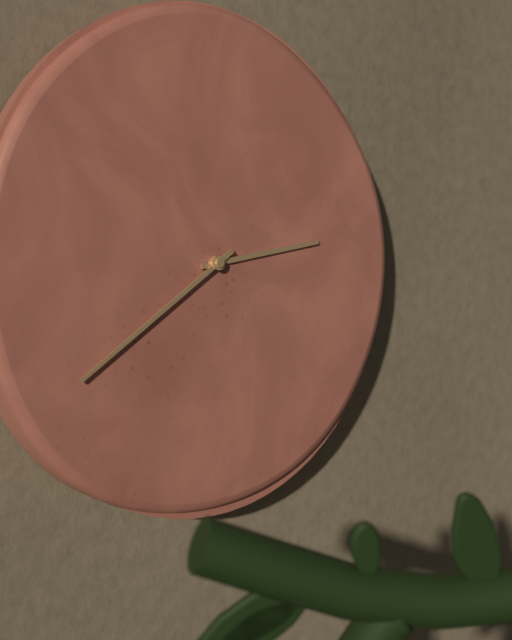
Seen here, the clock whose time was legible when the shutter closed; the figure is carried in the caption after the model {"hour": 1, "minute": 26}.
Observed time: {"hour": 2, "minute": 39}
